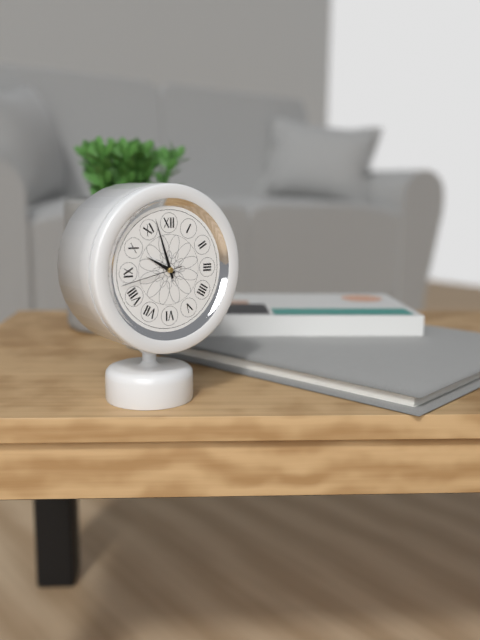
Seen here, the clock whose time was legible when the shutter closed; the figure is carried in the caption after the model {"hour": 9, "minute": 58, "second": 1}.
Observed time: {"hour": 9, "minute": 57, "second": 43}
